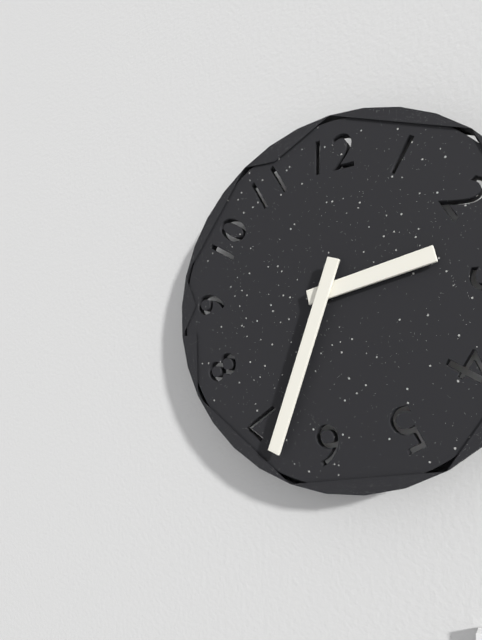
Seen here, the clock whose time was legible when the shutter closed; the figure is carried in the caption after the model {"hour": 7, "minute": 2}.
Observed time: {"hour": 2, "minute": 33}
